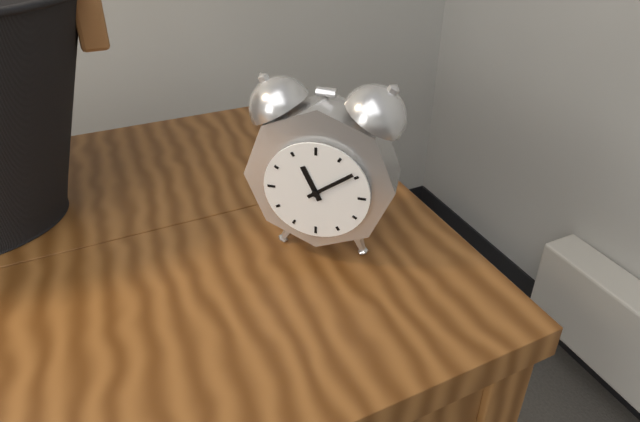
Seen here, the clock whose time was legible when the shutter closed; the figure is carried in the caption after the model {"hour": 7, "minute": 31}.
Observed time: {"hour": 11, "minute": 9}
